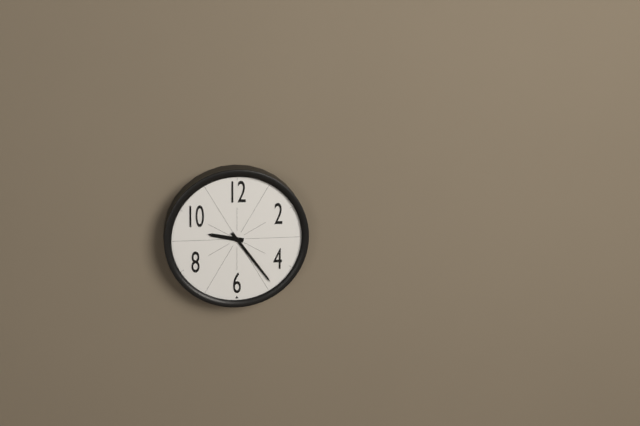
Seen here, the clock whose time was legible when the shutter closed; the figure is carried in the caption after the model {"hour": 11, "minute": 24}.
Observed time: {"hour": 9, "minute": 24}
